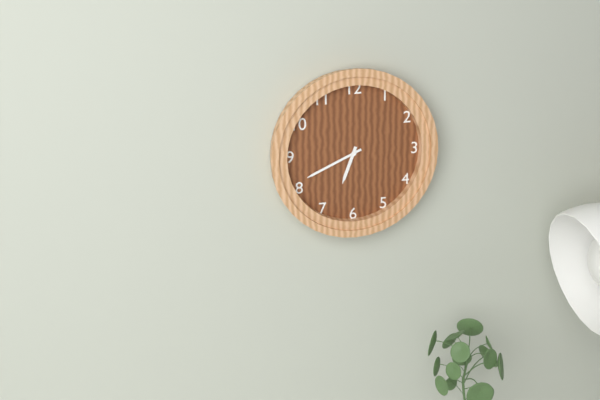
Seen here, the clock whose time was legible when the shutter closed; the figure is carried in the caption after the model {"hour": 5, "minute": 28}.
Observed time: {"hour": 6, "minute": 41}
